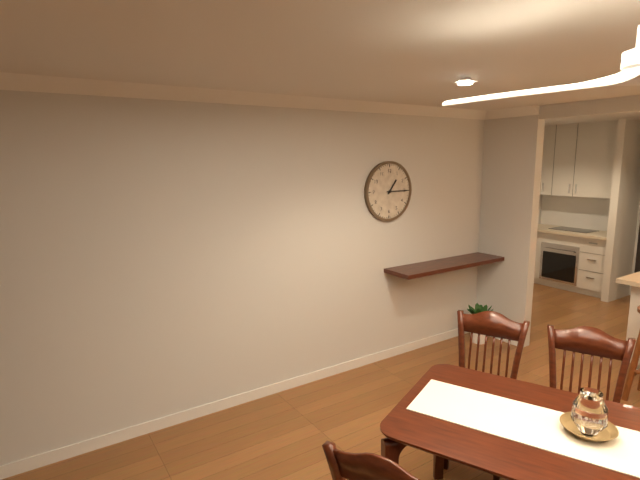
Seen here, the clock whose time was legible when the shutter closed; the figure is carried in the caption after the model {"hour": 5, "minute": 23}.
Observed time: {"hour": 1, "minute": 15}
